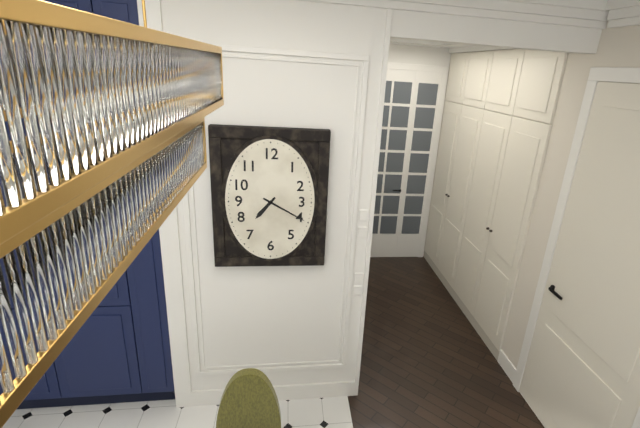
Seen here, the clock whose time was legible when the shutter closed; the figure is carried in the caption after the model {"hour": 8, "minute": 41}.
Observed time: {"hour": 7, "minute": 20}
